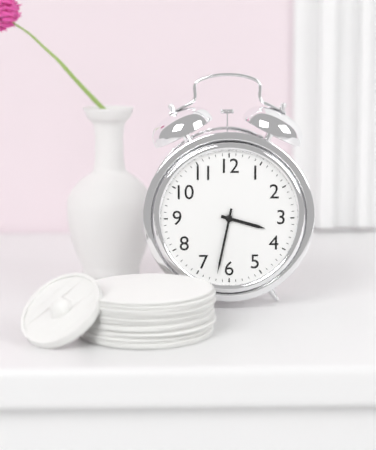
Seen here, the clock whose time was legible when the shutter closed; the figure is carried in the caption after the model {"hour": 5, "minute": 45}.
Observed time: {"hour": 3, "minute": 32}
